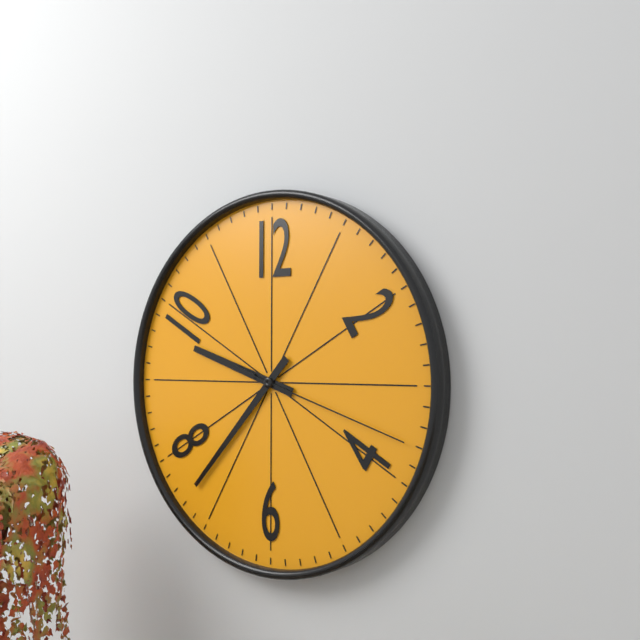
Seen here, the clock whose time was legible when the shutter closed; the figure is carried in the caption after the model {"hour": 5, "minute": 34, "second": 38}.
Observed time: {"hour": 9, "minute": 37, "second": 18}
